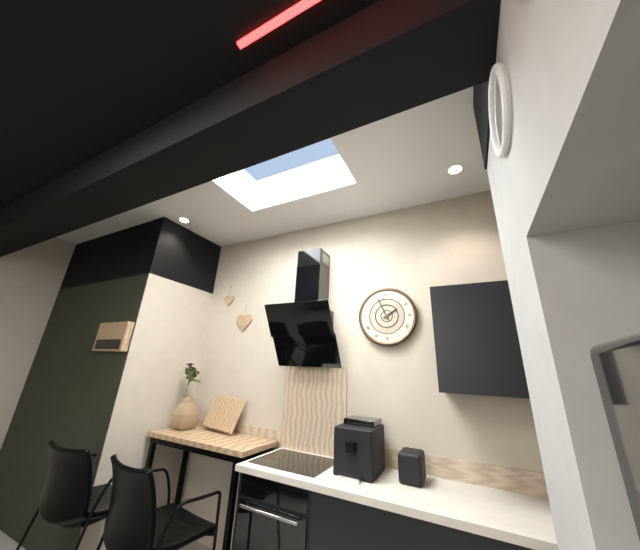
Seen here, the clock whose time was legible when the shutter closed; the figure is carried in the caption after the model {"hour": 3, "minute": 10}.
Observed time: {"hour": 1, "minute": 56}
